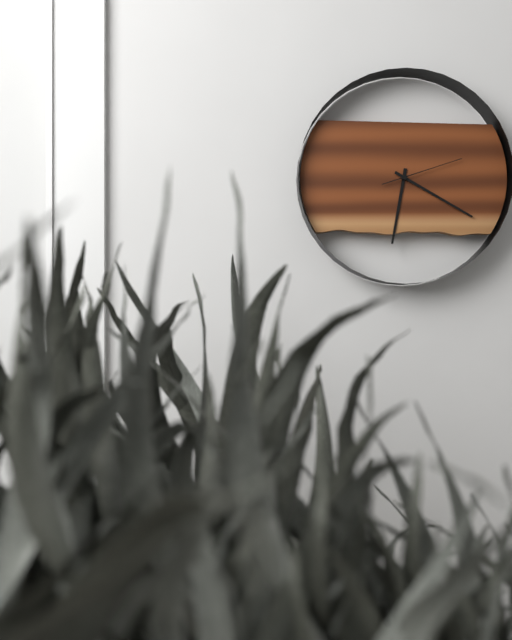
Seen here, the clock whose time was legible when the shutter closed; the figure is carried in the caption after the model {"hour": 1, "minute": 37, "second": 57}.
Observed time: {"hour": 6, "minute": 20, "second": 12}
